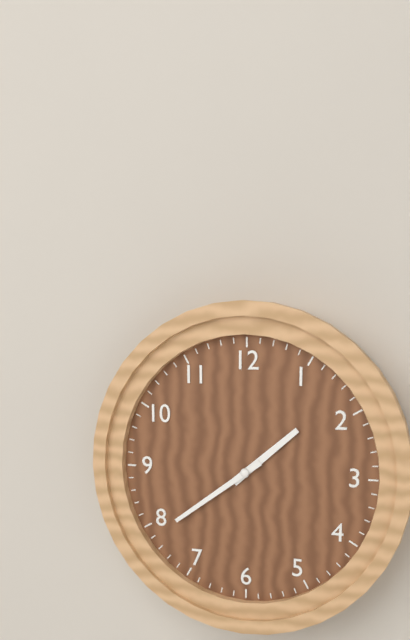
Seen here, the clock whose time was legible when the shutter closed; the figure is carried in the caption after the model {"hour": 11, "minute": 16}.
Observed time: {"hour": 1, "minute": 39}
